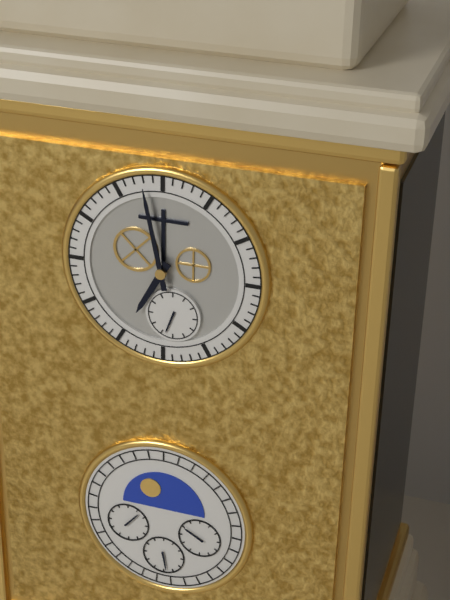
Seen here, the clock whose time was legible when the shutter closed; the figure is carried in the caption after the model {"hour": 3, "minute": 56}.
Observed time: {"hour": 6, "minute": 58}
